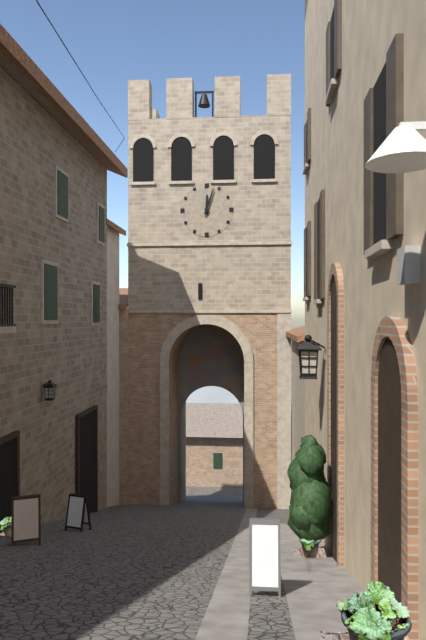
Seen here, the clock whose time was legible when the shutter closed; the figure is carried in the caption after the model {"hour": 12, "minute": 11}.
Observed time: {"hour": 12, "minute": 3}
